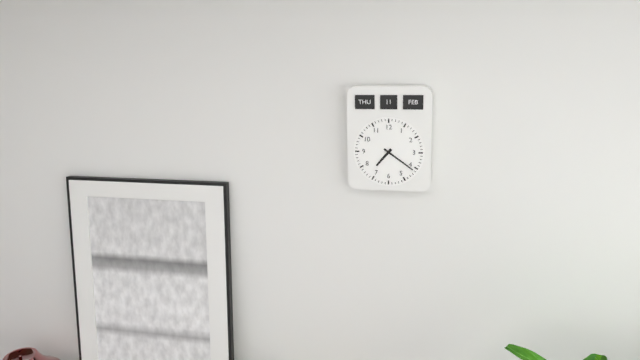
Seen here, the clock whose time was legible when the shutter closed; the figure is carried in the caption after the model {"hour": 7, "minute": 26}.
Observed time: {"hour": 7, "minute": 21}
